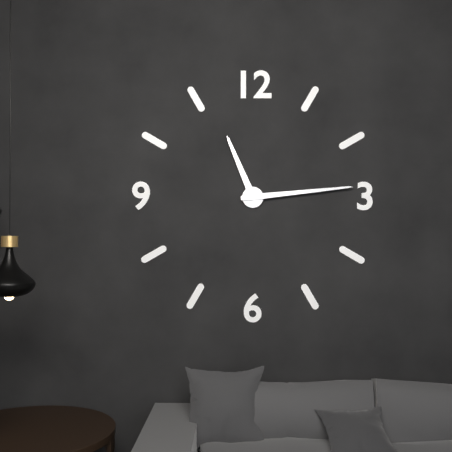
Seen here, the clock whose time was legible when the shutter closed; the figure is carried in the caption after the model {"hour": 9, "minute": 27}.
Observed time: {"hour": 11, "minute": 14}
